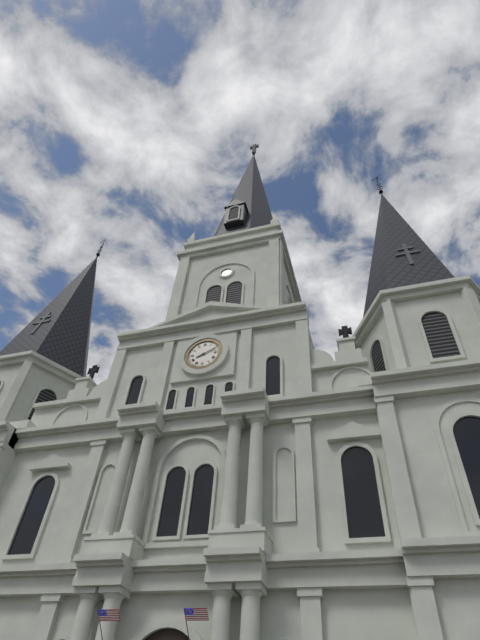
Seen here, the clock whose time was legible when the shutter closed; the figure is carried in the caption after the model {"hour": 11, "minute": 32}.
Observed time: {"hour": 8, "minute": 11}
